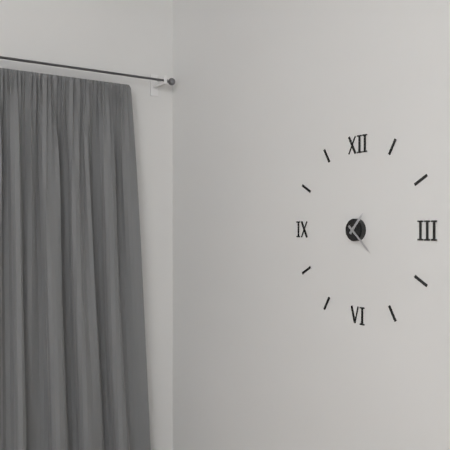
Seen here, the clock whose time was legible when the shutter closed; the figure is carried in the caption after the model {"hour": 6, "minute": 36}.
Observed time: {"hour": 1, "minute": 22}
